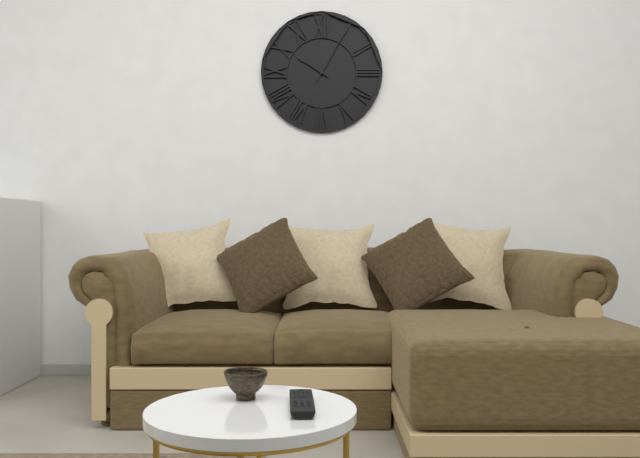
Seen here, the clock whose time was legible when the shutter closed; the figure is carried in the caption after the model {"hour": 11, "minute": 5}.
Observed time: {"hour": 10, "minute": 5}
